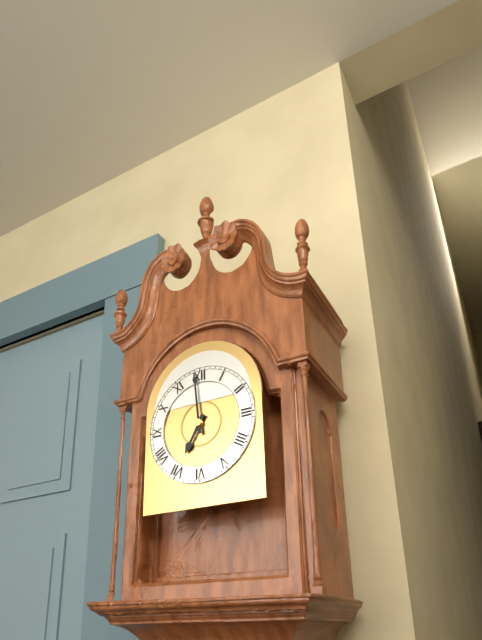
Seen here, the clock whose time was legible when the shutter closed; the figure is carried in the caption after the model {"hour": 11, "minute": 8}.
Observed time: {"hour": 6, "minute": 59}
